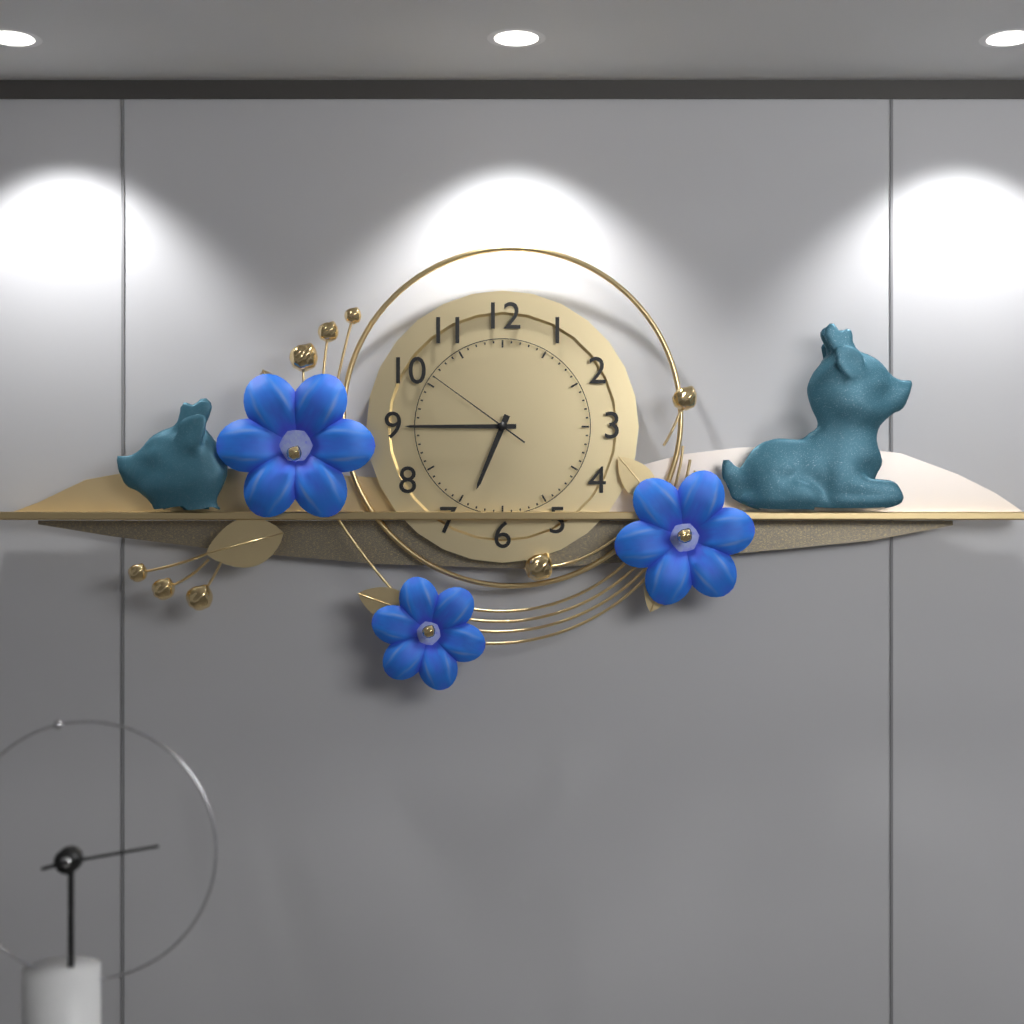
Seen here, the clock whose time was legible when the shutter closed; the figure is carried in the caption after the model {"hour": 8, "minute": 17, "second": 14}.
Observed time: {"hour": 6, "minute": 45, "second": 51}
